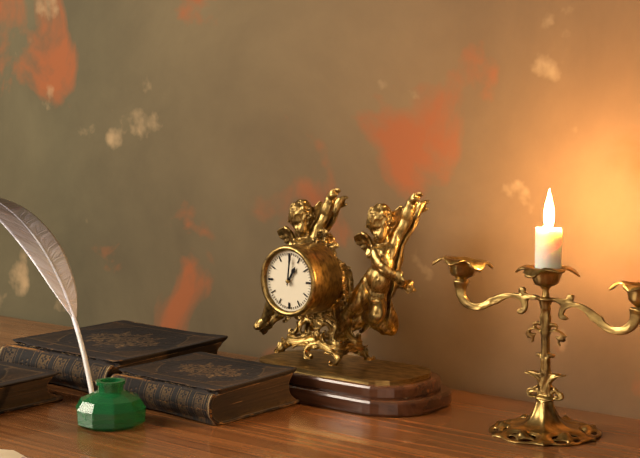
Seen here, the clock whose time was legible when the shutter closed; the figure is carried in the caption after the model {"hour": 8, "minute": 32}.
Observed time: {"hour": 1, "minute": 1}
